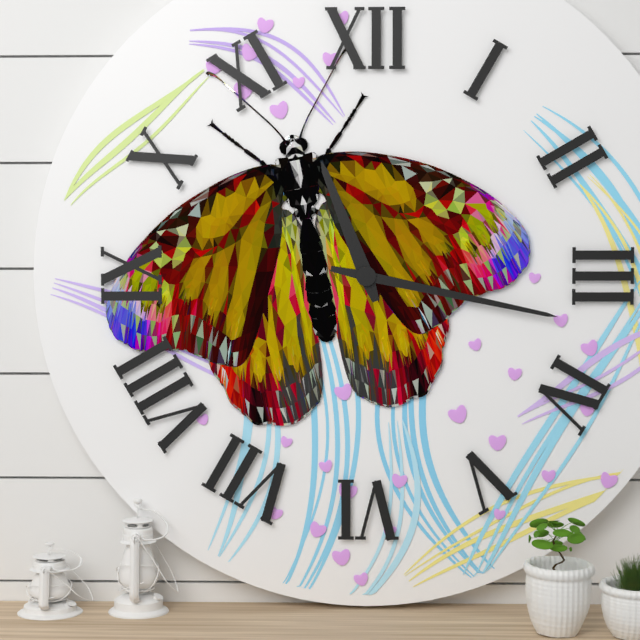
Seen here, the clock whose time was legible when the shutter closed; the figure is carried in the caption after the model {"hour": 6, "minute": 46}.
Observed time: {"hour": 11, "minute": 17}
